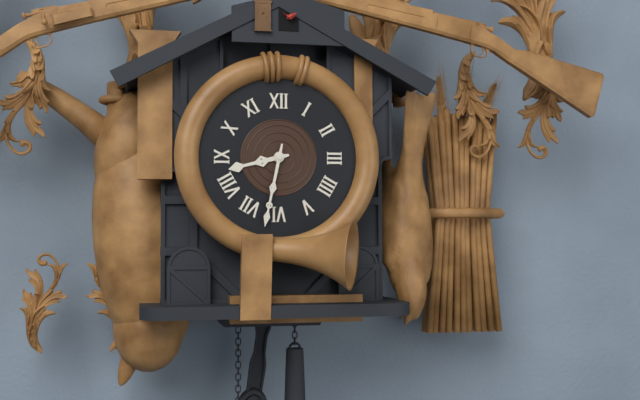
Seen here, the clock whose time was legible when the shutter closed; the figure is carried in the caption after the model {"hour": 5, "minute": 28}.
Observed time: {"hour": 8, "minute": 32}
